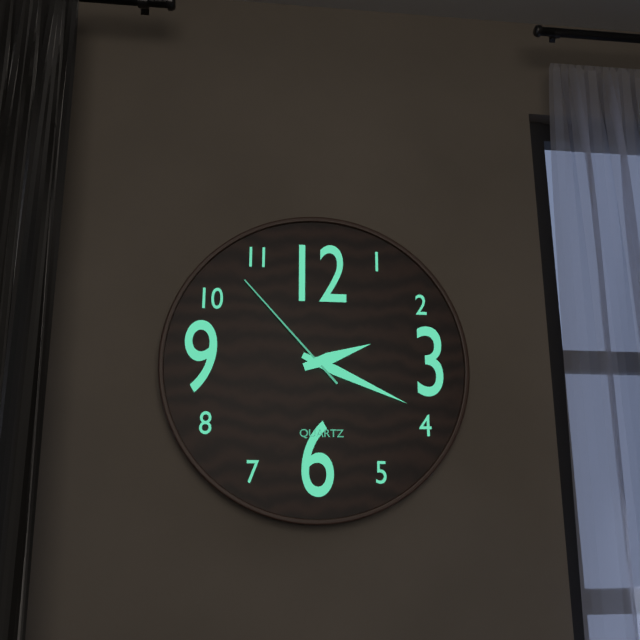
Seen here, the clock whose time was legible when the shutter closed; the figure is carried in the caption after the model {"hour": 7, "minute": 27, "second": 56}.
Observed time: {"hour": 2, "minute": 19, "second": 53}
